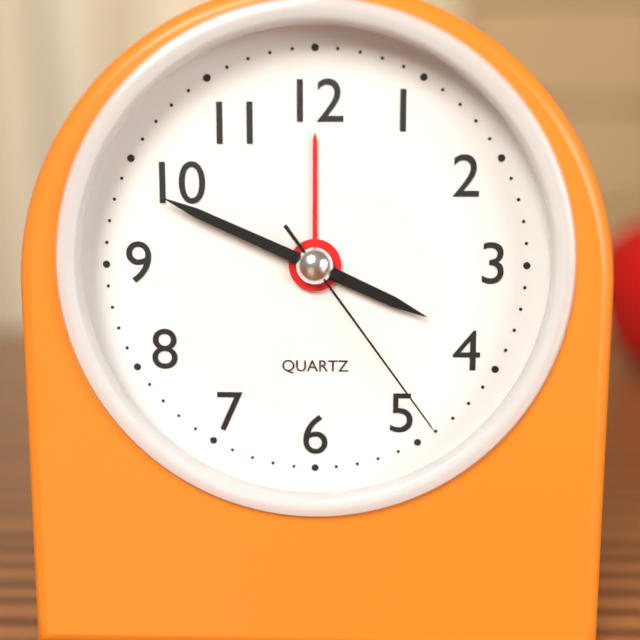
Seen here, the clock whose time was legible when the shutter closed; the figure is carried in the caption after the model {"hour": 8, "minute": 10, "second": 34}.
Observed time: {"hour": 3, "minute": 49, "second": 24}
